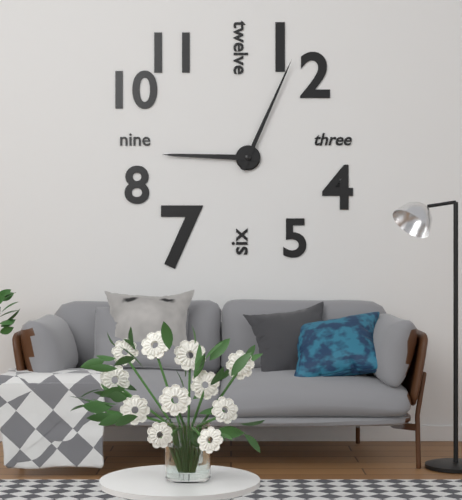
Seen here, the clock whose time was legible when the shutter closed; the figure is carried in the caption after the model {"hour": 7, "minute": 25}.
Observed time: {"hour": 9, "minute": 4}
